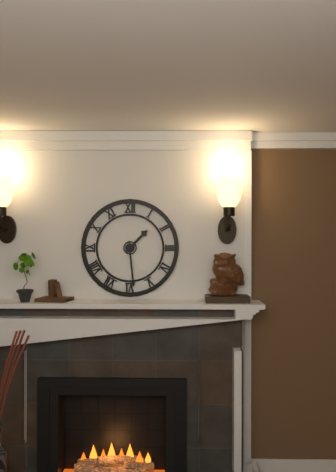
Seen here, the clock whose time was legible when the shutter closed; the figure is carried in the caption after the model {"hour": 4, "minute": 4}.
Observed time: {"hour": 1, "minute": 29}
